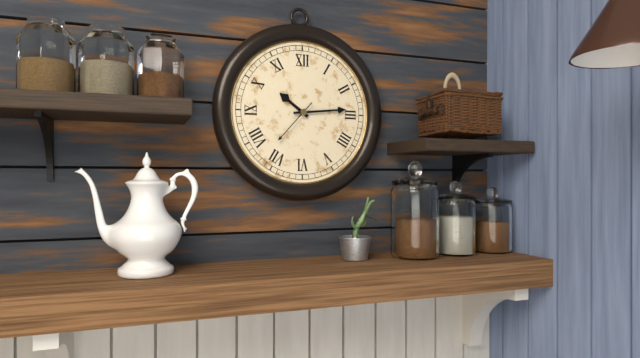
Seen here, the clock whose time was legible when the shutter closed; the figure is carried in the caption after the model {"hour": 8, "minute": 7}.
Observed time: {"hour": 10, "minute": 14}
